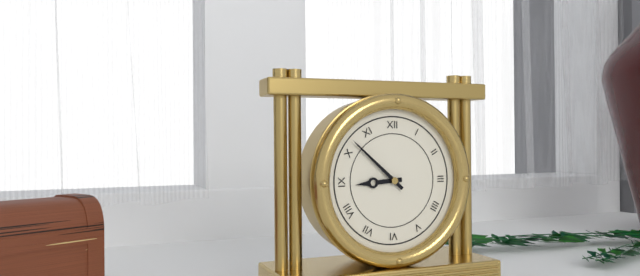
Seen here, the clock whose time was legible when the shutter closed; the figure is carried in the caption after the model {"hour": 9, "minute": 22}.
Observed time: {"hour": 8, "minute": 52}
